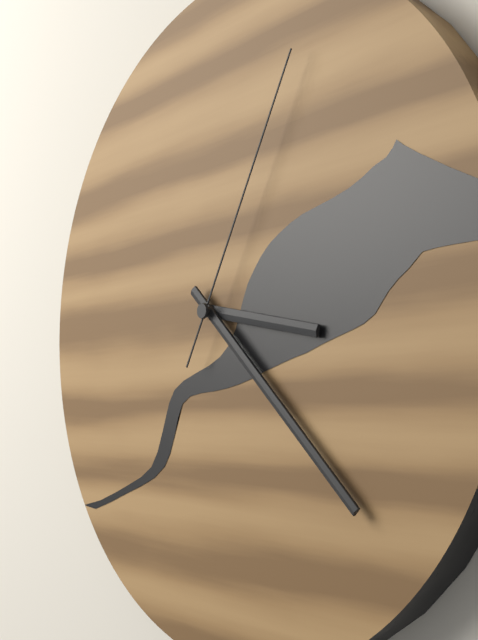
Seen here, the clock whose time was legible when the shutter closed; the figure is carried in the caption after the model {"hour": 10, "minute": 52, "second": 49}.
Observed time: {"hour": 3, "minute": 22, "second": 5}
